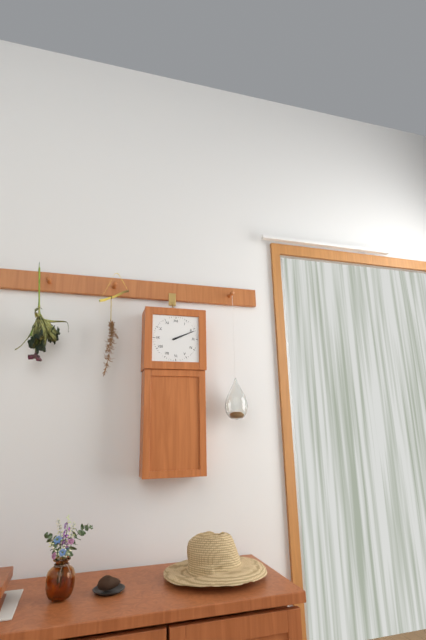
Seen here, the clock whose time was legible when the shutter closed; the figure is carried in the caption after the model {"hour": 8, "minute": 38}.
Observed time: {"hour": 2, "minute": 11}
